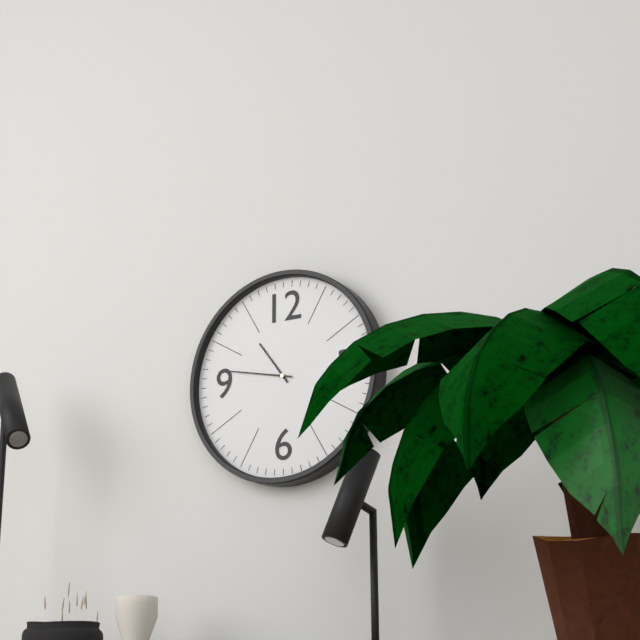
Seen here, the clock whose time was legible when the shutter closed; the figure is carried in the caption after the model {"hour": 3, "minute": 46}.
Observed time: {"hour": 10, "minute": 47}
